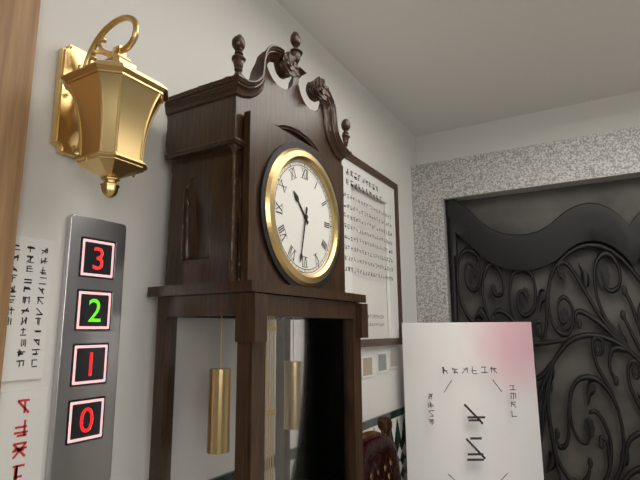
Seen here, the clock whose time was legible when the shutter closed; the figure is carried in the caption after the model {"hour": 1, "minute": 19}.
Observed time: {"hour": 10, "minute": 32}
